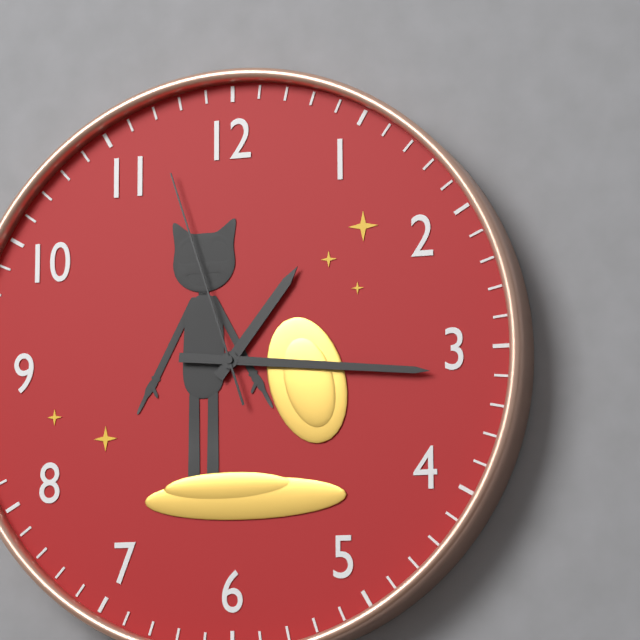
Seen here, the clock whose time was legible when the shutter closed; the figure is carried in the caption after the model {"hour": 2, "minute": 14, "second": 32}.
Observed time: {"hour": 1, "minute": 16, "second": 57}
